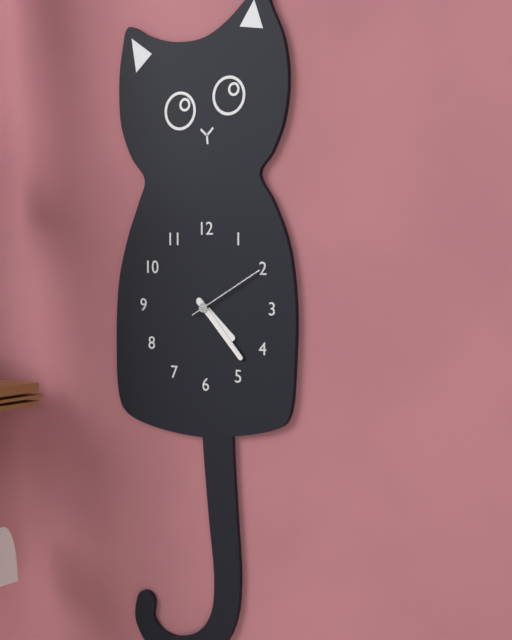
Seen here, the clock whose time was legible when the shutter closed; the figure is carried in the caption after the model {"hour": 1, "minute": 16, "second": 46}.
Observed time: {"hour": 4, "minute": 23, "second": 10}
